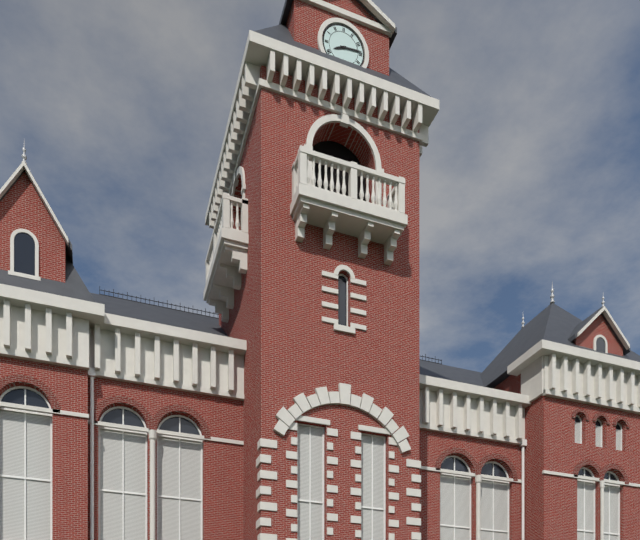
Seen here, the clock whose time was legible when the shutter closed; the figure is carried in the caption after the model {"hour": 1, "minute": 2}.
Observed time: {"hour": 8, "minute": 14}
